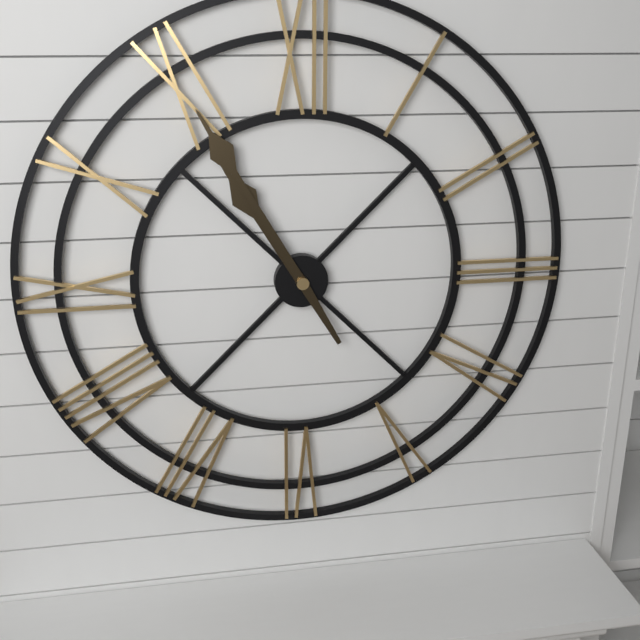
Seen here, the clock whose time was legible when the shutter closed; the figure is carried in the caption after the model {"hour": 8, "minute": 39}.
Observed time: {"hour": 10, "minute": 55}
